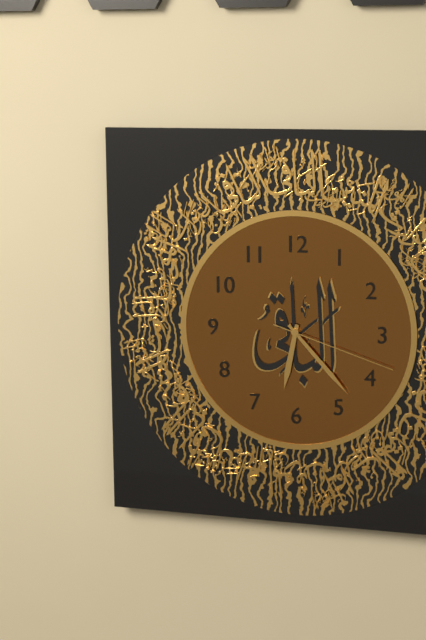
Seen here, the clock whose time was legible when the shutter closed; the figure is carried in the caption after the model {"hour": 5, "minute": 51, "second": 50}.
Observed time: {"hour": 6, "minute": 23, "second": 18}
